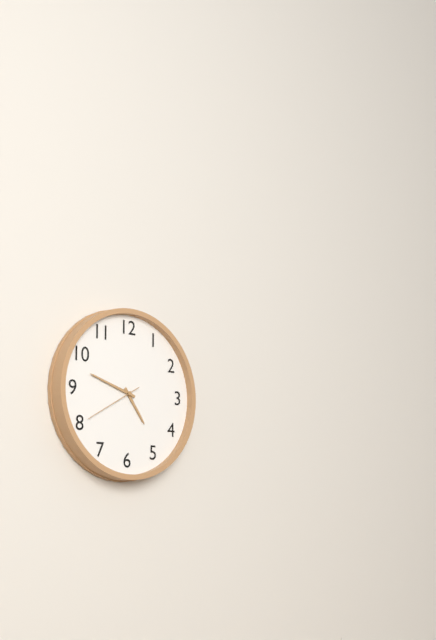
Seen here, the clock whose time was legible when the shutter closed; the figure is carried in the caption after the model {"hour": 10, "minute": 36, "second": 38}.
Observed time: {"hour": 4, "minute": 48, "second": 40}
